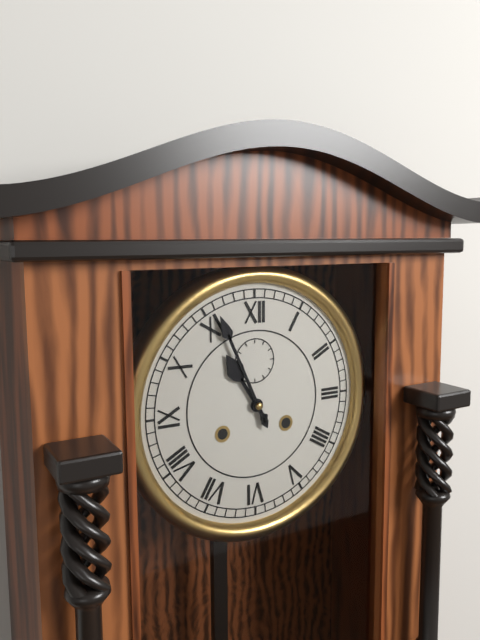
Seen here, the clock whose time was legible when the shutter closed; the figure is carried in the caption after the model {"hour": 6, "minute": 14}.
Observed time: {"hour": 10, "minute": 56}
